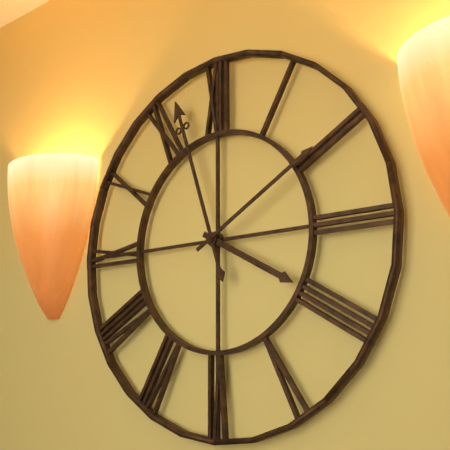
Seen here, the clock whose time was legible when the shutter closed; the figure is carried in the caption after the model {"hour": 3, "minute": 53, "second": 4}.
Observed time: {"hour": 3, "minute": 57, "second": 10}
